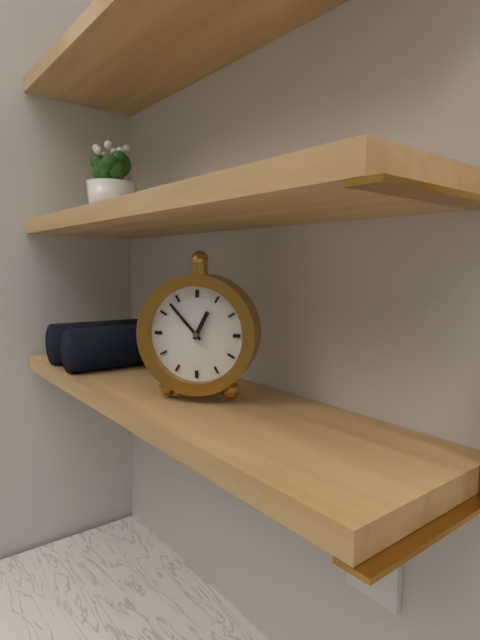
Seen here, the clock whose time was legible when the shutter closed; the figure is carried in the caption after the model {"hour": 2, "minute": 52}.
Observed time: {"hour": 12, "minute": 53}
